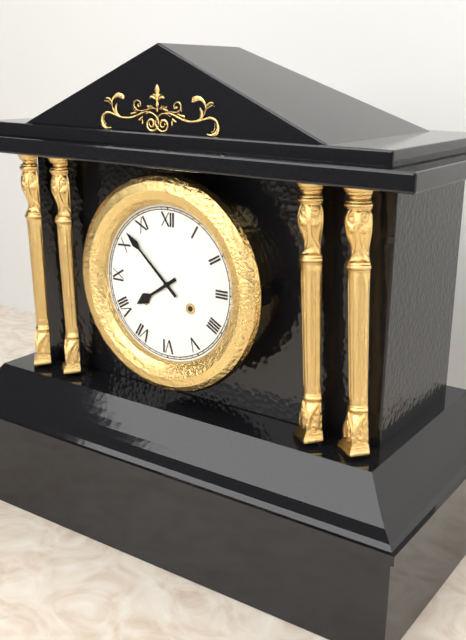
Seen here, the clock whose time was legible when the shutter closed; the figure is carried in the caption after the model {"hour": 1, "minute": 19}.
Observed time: {"hour": 7, "minute": 52}
